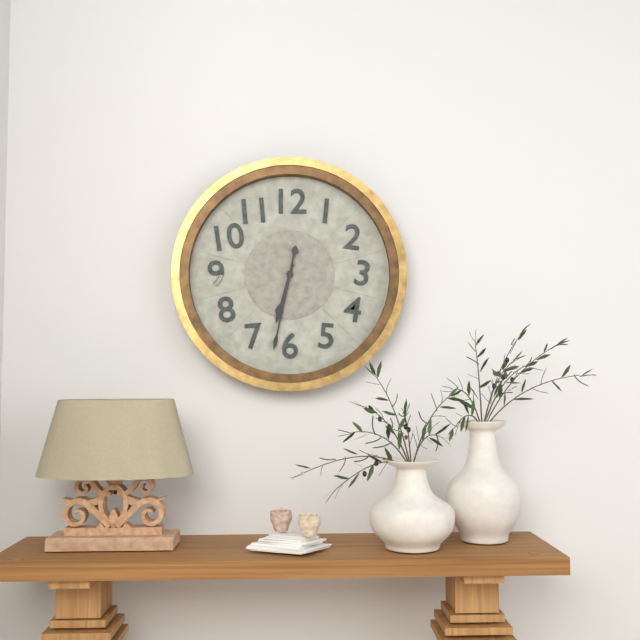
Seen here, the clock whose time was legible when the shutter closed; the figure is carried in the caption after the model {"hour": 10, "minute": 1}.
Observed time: {"hour": 6, "minute": 32}
